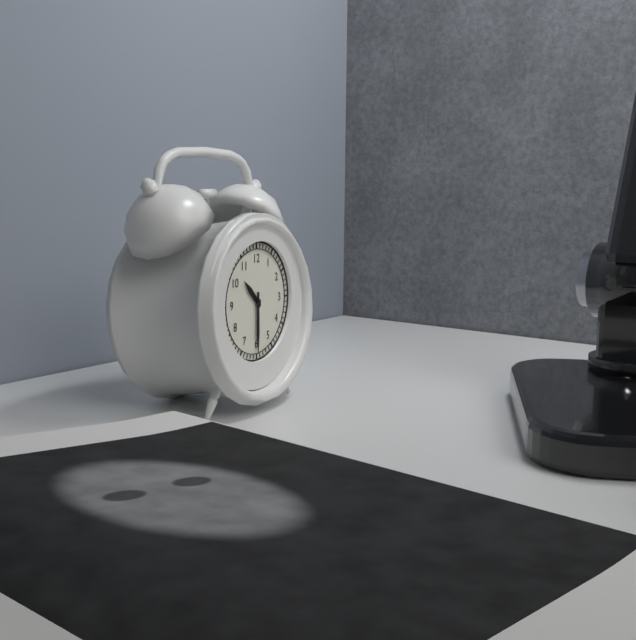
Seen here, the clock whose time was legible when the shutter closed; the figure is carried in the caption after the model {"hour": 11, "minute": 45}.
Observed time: {"hour": 10, "minute": 30}
